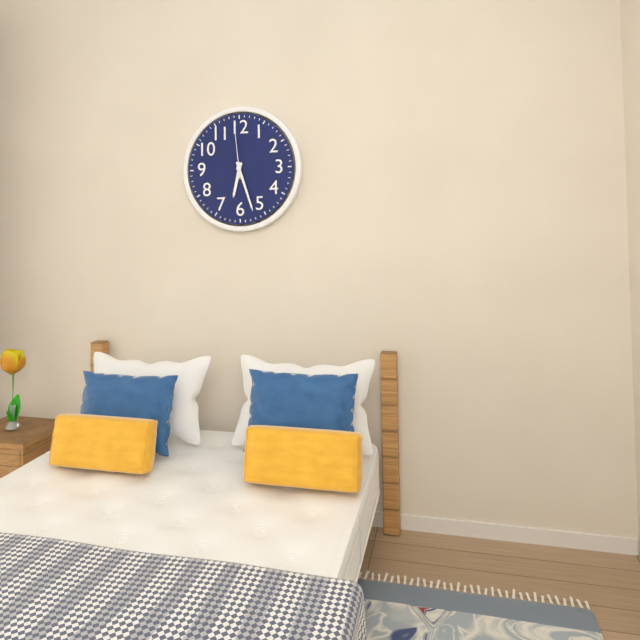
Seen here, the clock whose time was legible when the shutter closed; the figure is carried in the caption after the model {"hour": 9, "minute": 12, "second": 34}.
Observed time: {"hour": 6, "minute": 27, "second": 59}
